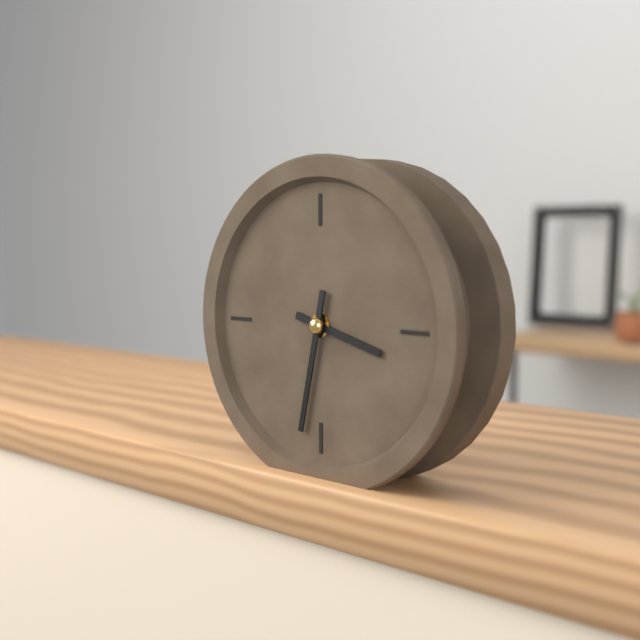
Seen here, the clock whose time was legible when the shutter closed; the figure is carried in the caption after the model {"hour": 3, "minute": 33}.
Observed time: {"hour": 3, "minute": 32}
